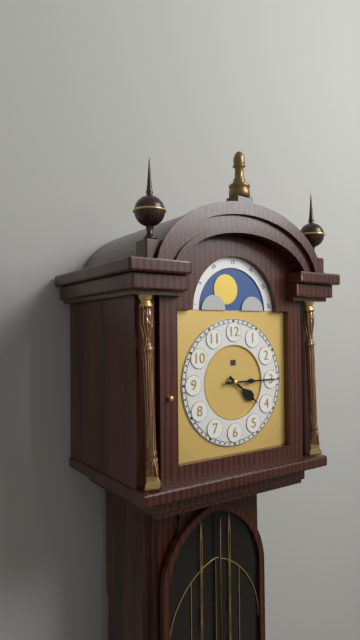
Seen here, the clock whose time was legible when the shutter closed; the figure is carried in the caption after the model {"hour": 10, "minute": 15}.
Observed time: {"hour": 4, "minute": 15}
